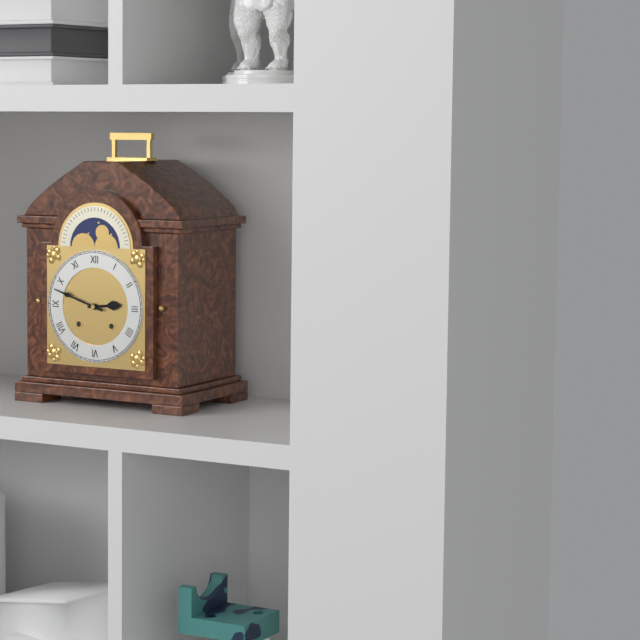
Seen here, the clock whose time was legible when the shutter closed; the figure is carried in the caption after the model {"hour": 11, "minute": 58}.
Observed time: {"hour": 2, "minute": 48}
